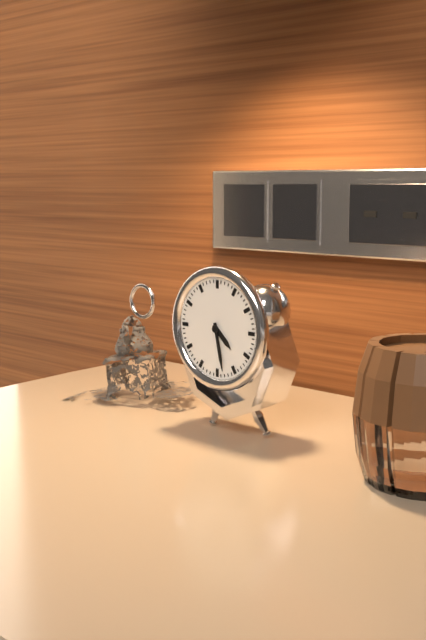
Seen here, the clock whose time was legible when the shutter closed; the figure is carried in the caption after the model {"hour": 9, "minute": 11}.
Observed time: {"hour": 4, "minute": 28}
